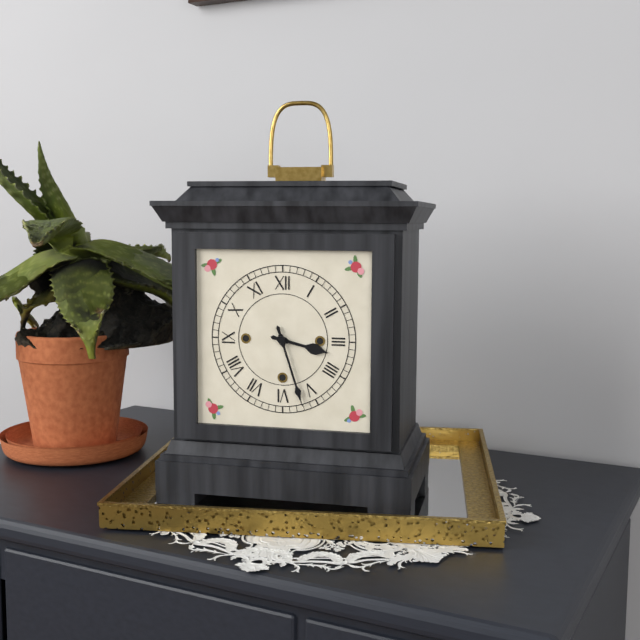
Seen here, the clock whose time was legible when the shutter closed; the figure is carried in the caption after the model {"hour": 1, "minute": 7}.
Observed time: {"hour": 3, "minute": 27}
